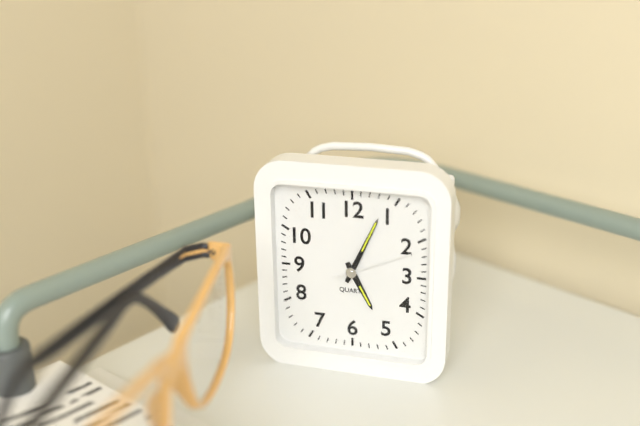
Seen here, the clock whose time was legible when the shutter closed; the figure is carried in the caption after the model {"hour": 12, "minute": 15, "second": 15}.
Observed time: {"hour": 5, "minute": 4, "second": 11}
